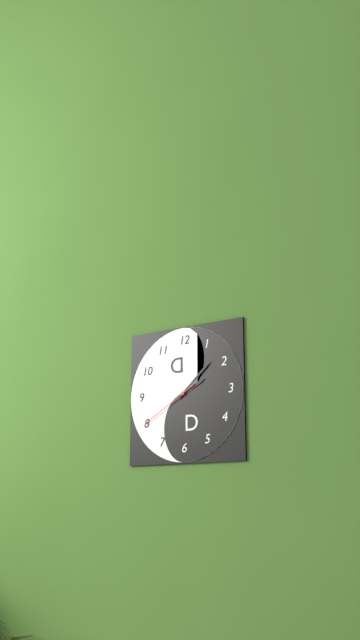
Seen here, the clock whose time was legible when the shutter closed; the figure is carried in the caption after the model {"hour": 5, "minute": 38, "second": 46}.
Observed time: {"hour": 2, "minute": 8, "second": 40}
